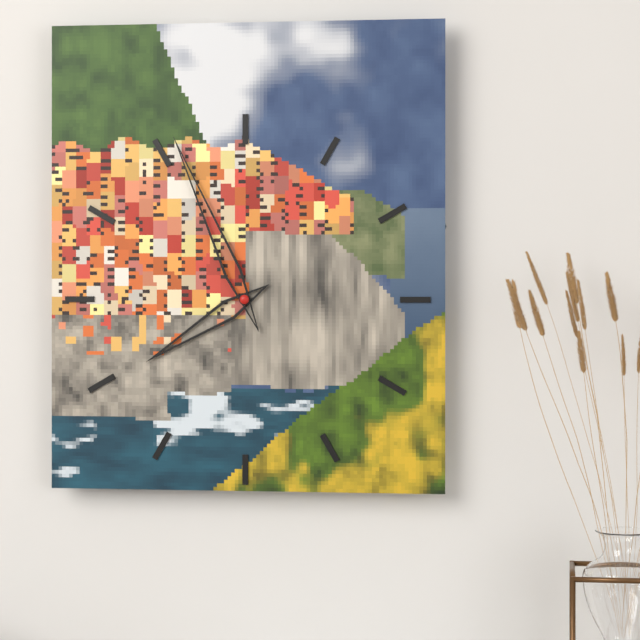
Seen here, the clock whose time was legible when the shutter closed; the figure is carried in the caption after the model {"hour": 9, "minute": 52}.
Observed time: {"hour": 7, "minute": 56}
